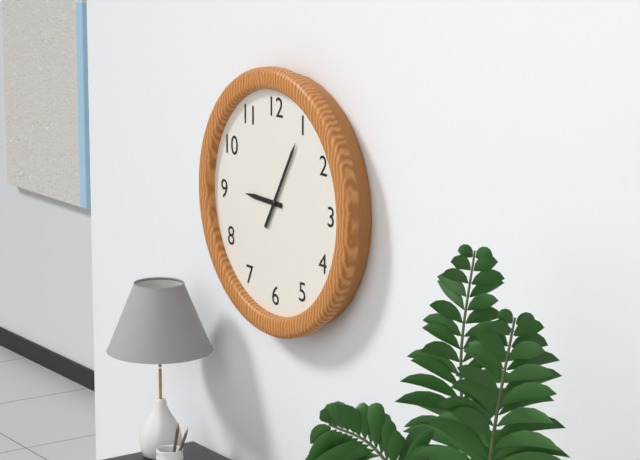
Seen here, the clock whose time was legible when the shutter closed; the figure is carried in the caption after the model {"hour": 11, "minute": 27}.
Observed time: {"hour": 9, "minute": 5}
